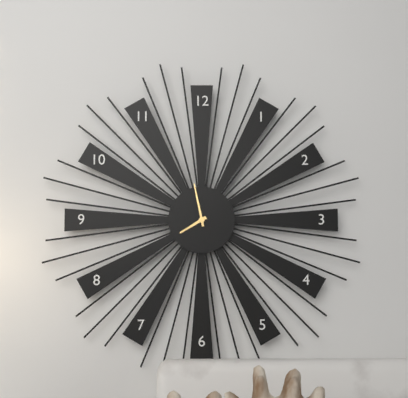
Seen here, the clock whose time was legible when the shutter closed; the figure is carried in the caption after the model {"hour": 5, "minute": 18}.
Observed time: {"hour": 7, "minute": 58}
